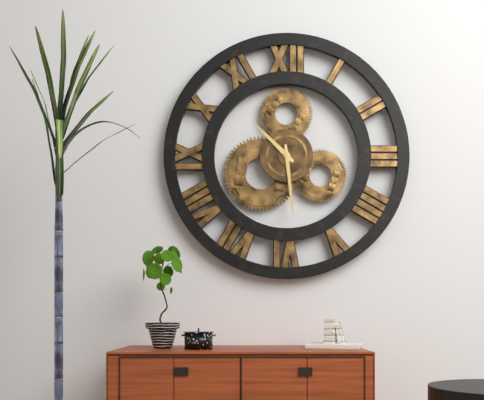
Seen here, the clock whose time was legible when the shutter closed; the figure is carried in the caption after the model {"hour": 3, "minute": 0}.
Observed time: {"hour": 10, "minute": 29}
